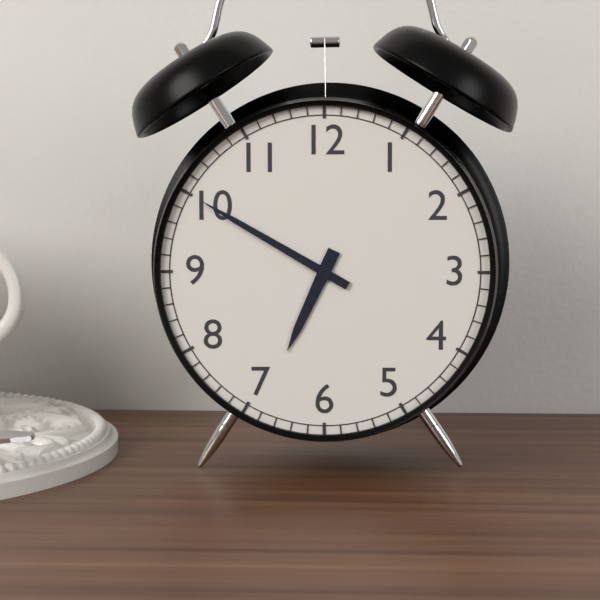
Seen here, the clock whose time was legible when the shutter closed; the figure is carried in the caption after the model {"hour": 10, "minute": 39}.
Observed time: {"hour": 6, "minute": 50}
